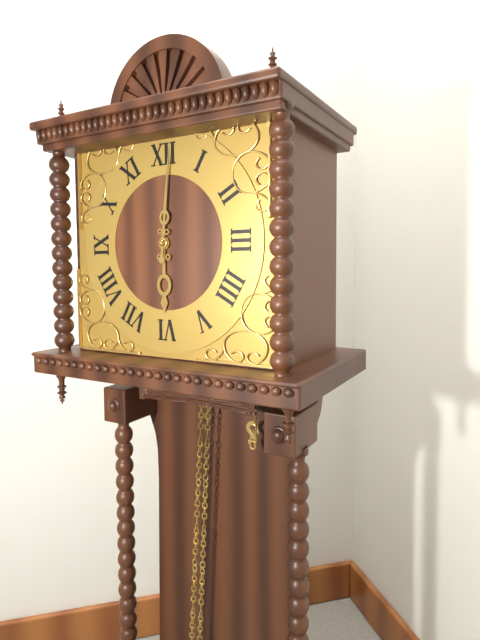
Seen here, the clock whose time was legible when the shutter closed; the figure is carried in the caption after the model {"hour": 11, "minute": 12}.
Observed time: {"hour": 6, "minute": 1}
